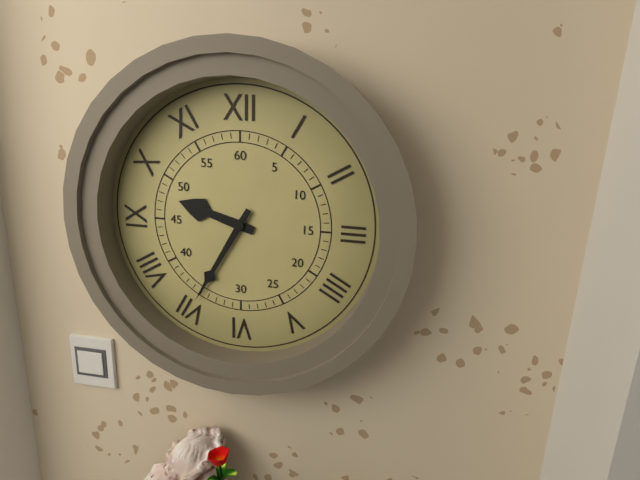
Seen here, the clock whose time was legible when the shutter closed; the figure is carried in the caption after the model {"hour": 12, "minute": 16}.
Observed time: {"hour": 9, "minute": 35}
